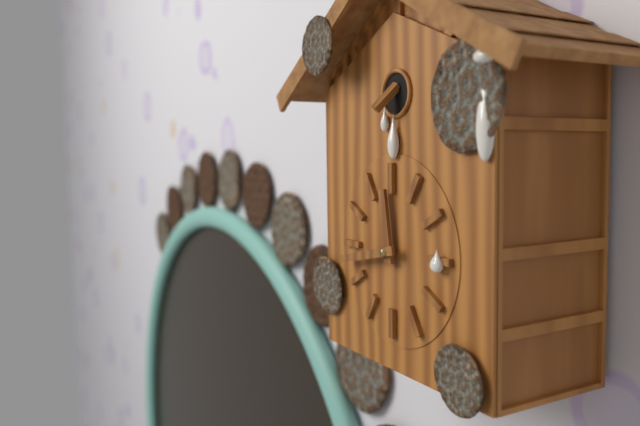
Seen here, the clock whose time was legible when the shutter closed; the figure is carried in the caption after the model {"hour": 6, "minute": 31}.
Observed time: {"hour": 11, "minute": 43}
